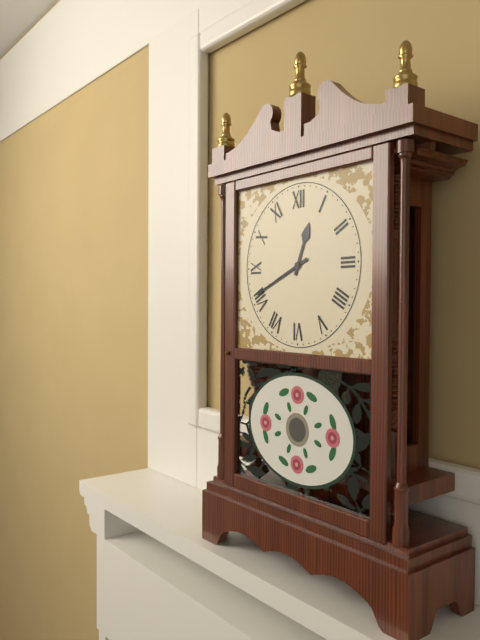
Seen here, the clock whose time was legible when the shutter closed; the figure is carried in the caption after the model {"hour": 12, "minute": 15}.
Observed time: {"hour": 12, "minute": 41}
